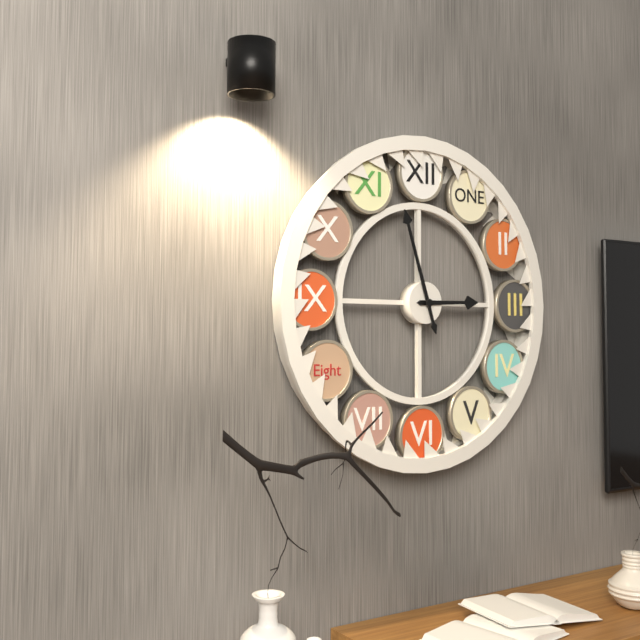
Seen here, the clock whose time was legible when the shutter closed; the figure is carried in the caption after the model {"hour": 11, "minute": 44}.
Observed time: {"hour": 2, "minute": 57}
